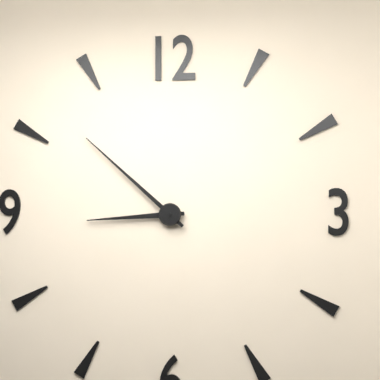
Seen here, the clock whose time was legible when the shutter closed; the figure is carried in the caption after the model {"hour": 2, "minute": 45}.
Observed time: {"hour": 8, "minute": 52}
